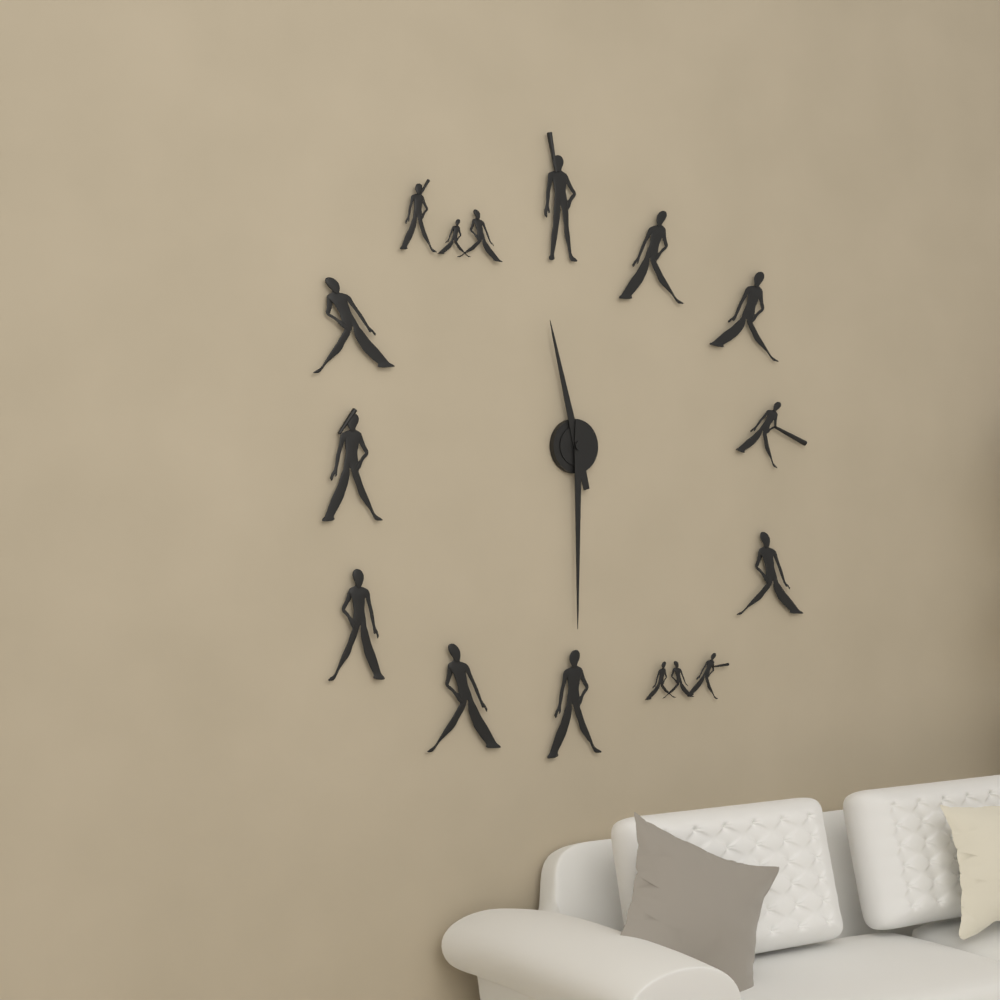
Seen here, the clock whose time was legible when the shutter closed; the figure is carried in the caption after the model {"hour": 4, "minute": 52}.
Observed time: {"hour": 11, "minute": 30}
